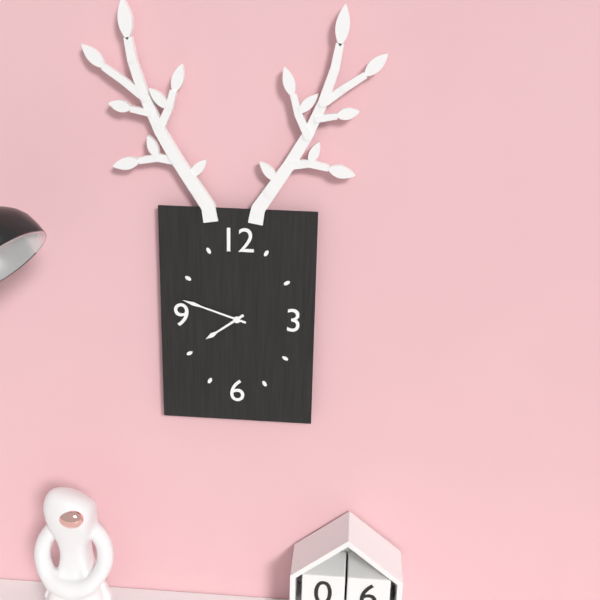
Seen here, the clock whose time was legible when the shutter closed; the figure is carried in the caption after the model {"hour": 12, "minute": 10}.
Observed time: {"hour": 7, "minute": 48}
